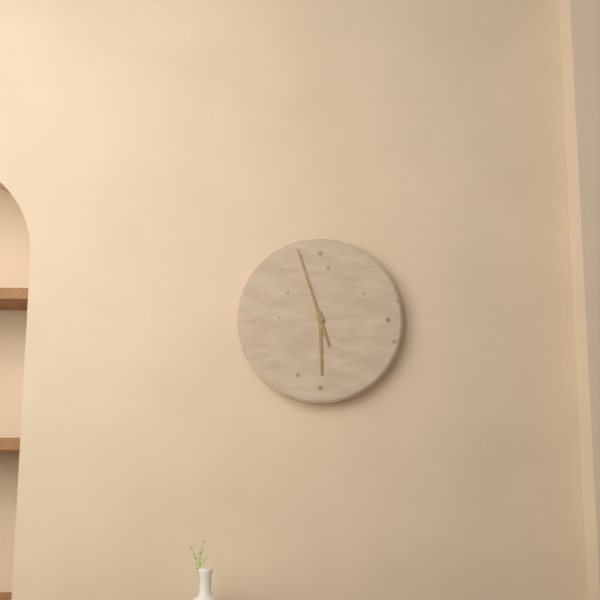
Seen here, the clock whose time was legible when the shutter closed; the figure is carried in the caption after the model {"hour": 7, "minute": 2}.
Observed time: {"hour": 5, "minute": 57}
